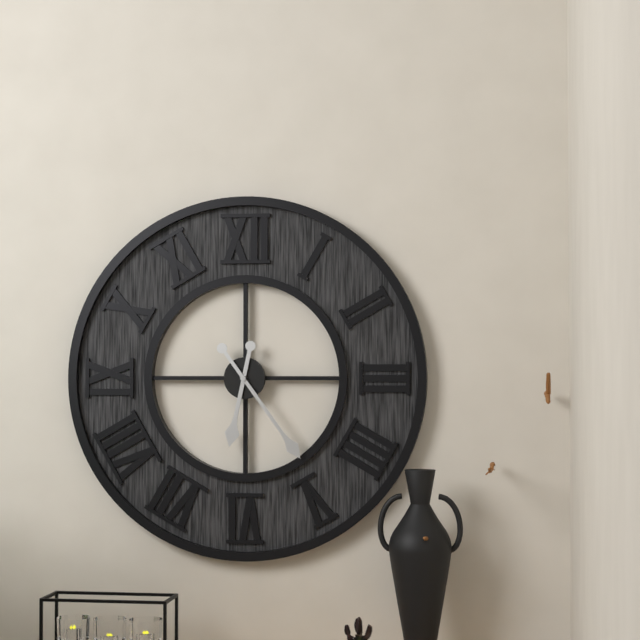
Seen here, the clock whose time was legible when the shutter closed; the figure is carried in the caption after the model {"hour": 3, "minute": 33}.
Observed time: {"hour": 6, "minute": 24}
